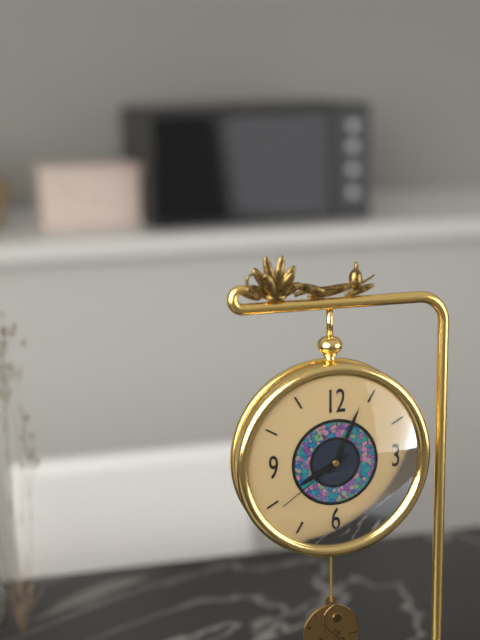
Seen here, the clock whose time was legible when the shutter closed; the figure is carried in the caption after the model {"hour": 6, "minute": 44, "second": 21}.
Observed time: {"hour": 8, "minute": 4, "second": 39}
